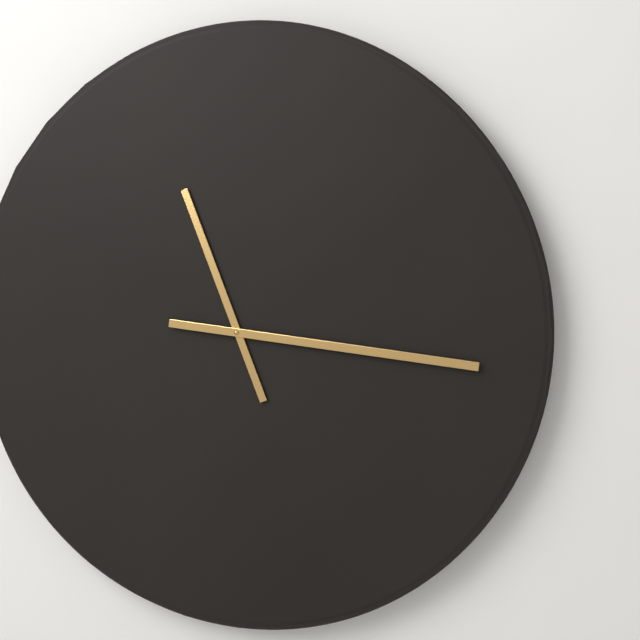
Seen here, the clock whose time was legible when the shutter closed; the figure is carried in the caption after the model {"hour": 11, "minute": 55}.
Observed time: {"hour": 11, "minute": 16}
